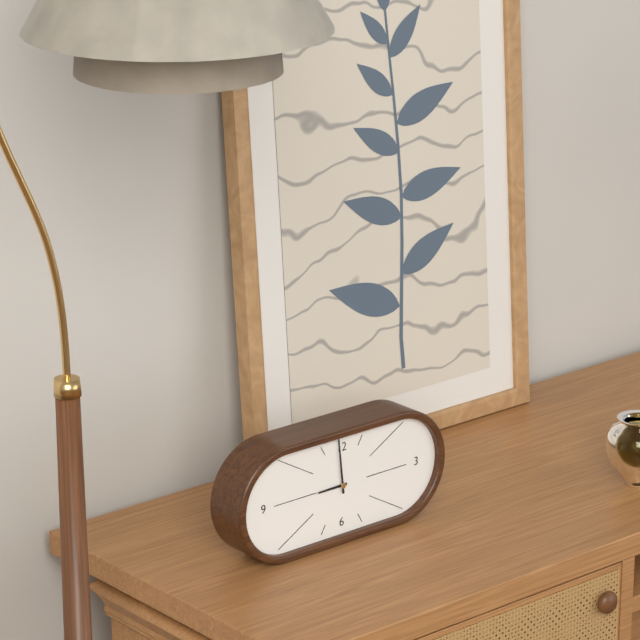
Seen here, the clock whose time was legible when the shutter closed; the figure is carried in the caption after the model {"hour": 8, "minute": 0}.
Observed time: {"hour": 8, "minute": 59}
